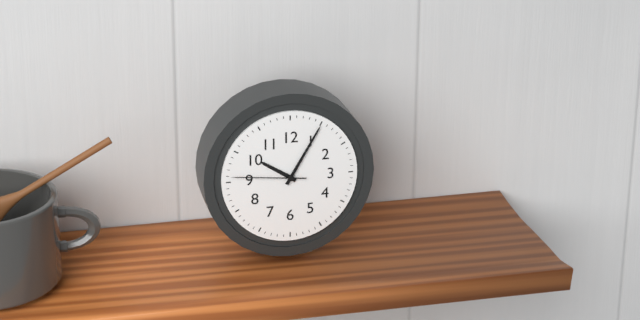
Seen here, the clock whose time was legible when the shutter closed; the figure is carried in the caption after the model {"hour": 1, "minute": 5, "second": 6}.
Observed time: {"hour": 10, "minute": 5, "second": 46}
